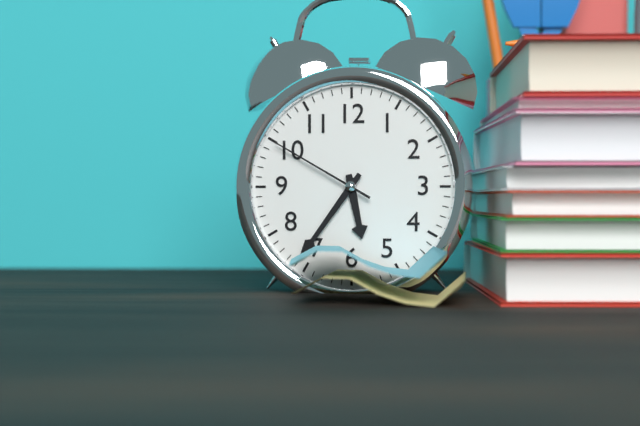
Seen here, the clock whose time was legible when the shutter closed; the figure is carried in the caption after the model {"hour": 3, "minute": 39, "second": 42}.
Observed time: {"hour": 5, "minute": 36, "second": 50}
